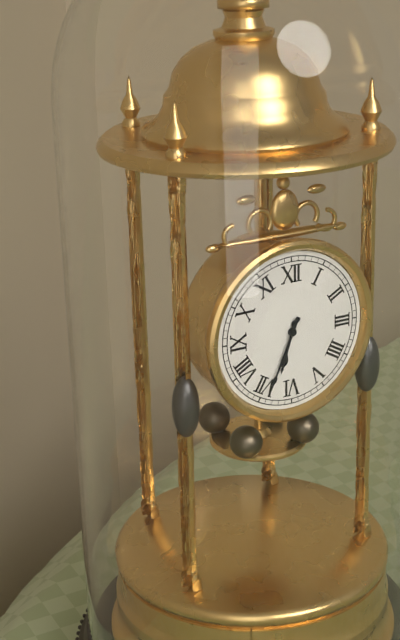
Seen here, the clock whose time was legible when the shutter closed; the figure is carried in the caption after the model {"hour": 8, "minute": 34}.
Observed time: {"hour": 6, "minute": 34}
